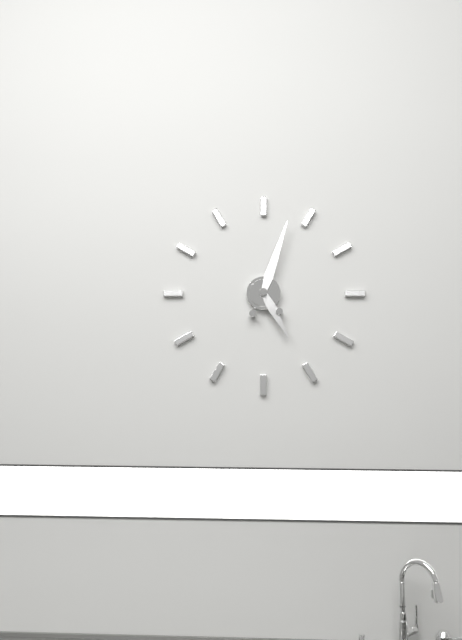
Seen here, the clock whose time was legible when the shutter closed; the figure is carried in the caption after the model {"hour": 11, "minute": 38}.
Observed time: {"hour": 5, "minute": 3}
